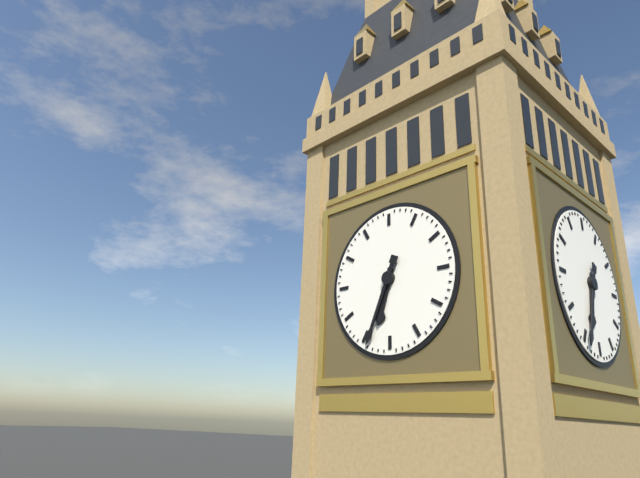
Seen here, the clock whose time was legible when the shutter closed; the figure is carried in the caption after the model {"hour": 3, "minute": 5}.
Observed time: {"hour": 6, "minute": 34}
